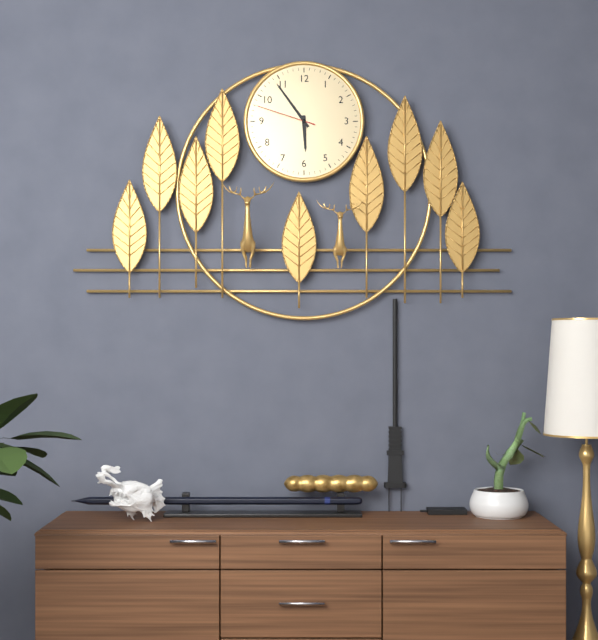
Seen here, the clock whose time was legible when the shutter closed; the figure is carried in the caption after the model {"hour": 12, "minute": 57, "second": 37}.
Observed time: {"hour": 5, "minute": 54, "second": 48}
